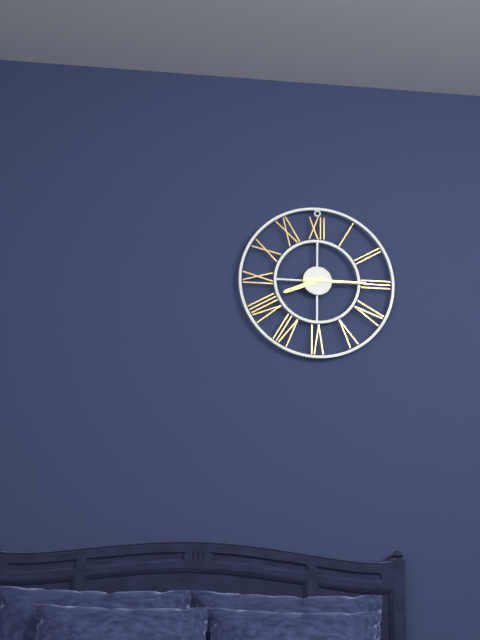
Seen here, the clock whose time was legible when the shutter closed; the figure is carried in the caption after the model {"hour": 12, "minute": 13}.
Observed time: {"hour": 8, "minute": 15}
